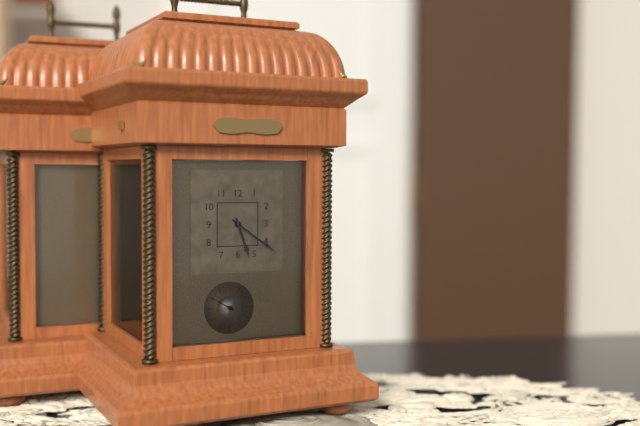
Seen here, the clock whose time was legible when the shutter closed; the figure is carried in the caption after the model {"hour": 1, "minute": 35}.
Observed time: {"hour": 5, "minute": 21}
